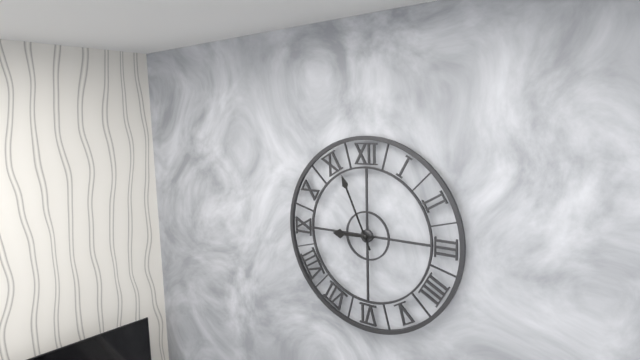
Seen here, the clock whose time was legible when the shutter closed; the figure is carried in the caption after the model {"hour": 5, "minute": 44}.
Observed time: {"hour": 8, "minute": 56}
